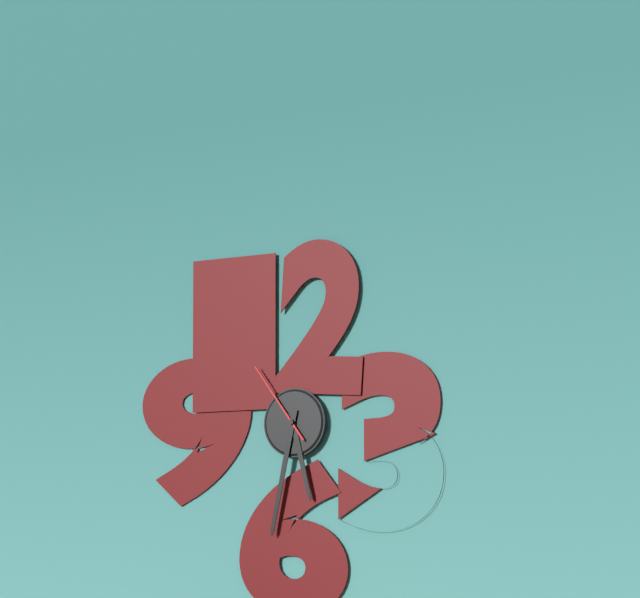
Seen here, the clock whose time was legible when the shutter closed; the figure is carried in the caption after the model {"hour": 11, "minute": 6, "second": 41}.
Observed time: {"hour": 5, "minute": 32, "second": 54}
